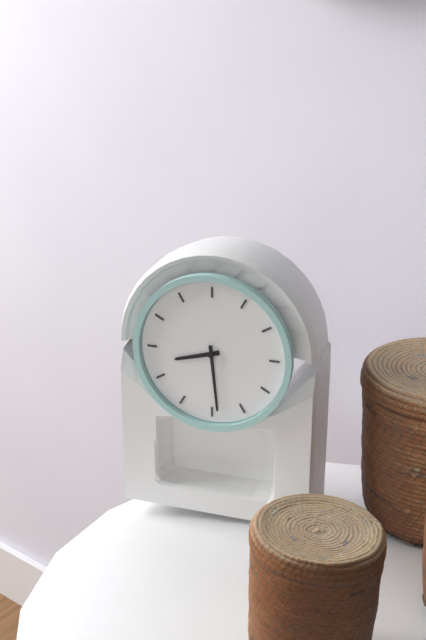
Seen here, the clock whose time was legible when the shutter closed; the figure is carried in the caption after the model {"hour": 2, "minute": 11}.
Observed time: {"hour": 8, "minute": 29}
